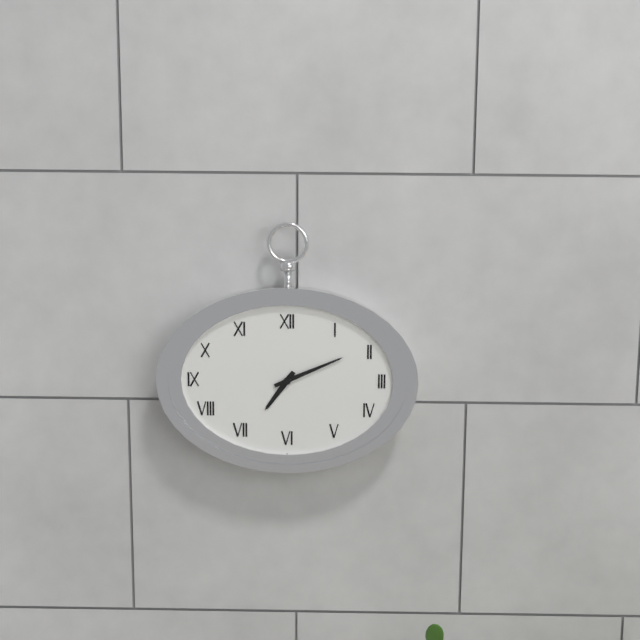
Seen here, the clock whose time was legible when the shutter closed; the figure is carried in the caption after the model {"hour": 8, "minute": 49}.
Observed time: {"hour": 7, "minute": 11}
